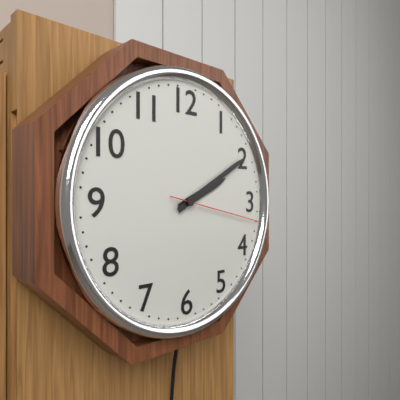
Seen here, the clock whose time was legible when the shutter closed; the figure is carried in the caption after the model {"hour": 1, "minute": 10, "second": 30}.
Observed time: {"hour": 2, "minute": 10, "second": 17}
